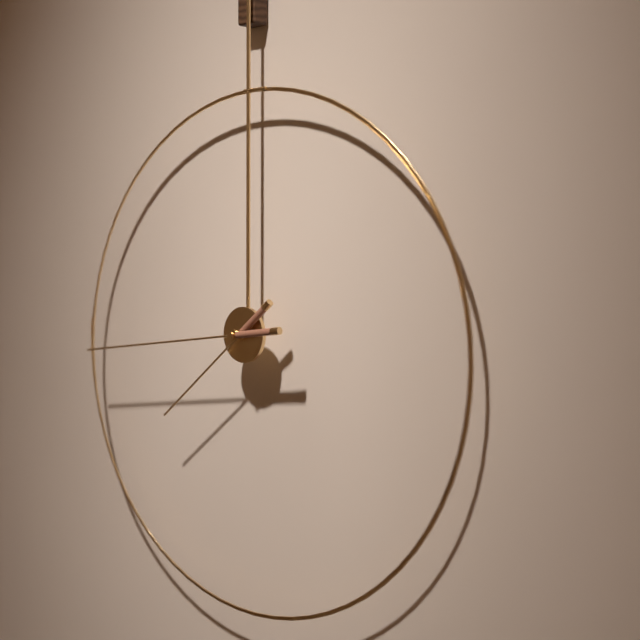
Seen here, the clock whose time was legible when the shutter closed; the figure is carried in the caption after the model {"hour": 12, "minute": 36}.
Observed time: {"hour": 7, "minute": 44}
